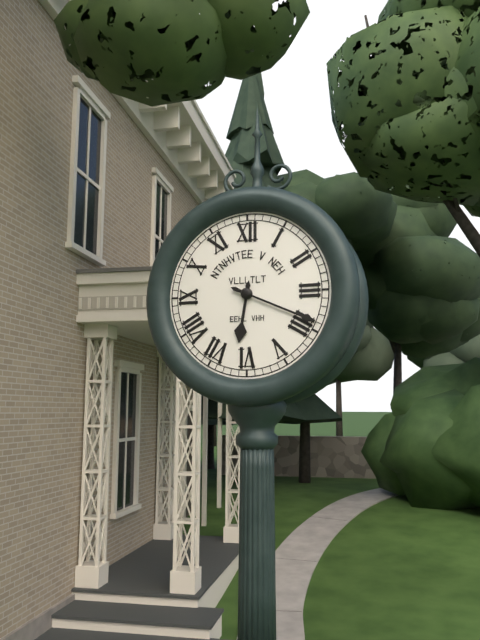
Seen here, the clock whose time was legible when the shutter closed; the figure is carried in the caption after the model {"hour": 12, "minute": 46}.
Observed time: {"hour": 6, "minute": 19}
